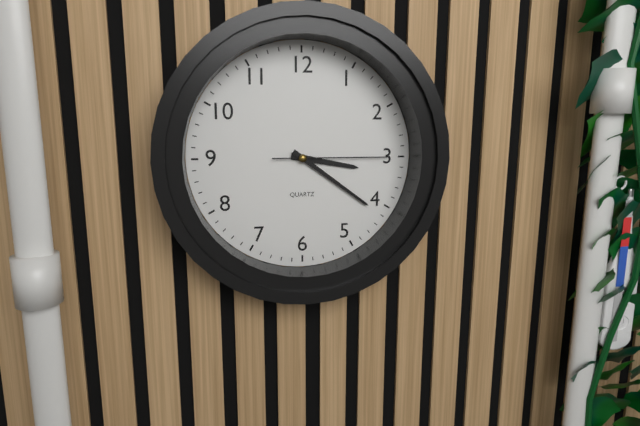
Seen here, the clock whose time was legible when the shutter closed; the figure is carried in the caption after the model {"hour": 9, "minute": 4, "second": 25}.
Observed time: {"hour": 3, "minute": 21, "second": 15}
